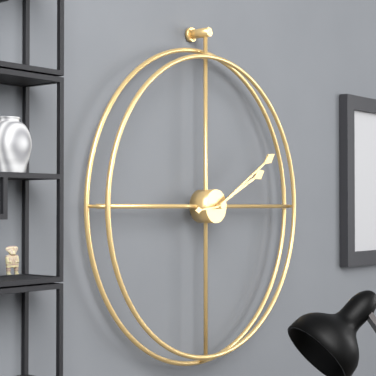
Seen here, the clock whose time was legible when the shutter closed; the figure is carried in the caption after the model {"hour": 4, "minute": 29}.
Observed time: {"hour": 2, "minute": 10}
